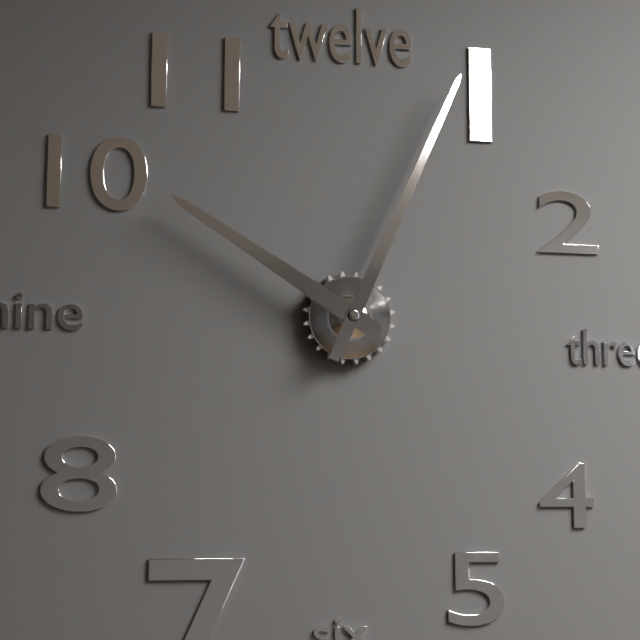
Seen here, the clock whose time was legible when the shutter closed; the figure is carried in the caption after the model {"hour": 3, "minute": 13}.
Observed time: {"hour": 10, "minute": 4}
